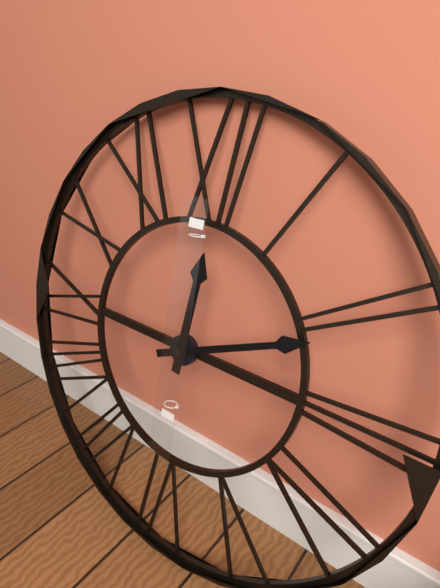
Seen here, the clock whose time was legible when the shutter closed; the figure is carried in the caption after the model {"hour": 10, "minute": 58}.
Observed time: {"hour": 12, "minute": 11}
